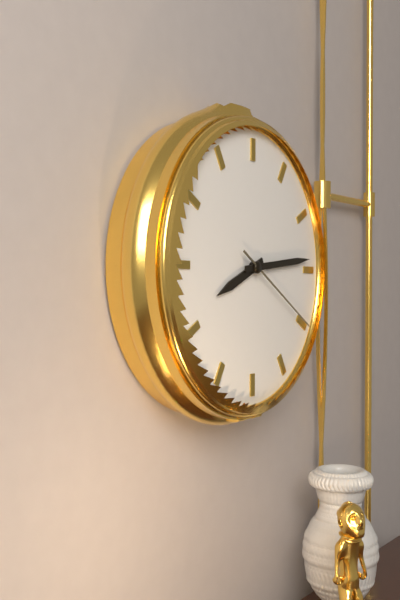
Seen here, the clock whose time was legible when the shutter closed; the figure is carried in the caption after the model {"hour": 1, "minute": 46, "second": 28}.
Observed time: {"hour": 8, "minute": 14, "second": 20}
